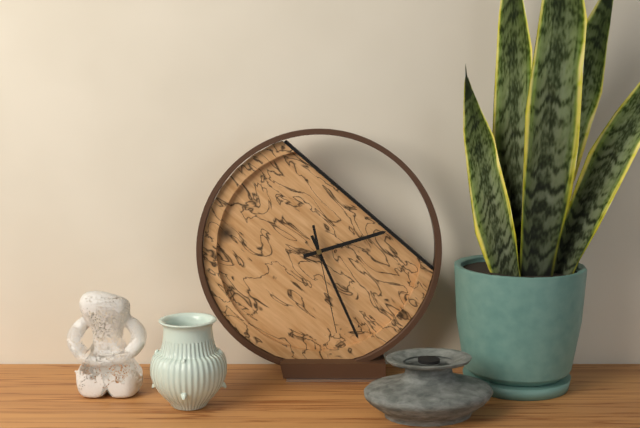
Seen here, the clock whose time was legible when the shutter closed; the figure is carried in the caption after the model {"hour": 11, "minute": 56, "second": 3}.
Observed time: {"hour": 2, "minute": 26, "second": 28}
